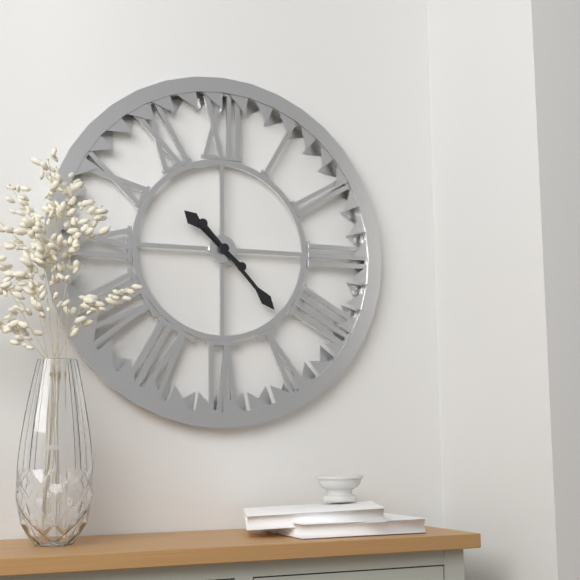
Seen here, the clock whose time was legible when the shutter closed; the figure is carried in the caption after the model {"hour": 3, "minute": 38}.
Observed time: {"hour": 10, "minute": 23}
